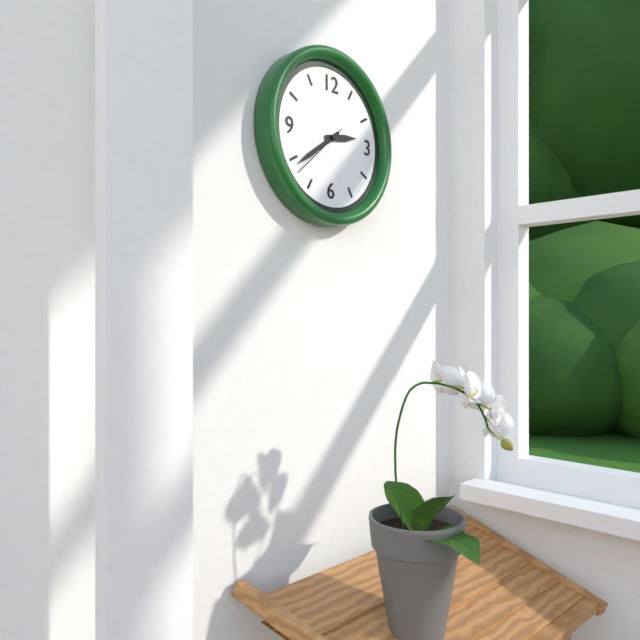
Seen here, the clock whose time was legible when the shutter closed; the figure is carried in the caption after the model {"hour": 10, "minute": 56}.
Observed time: {"hour": 2, "minute": 39}
